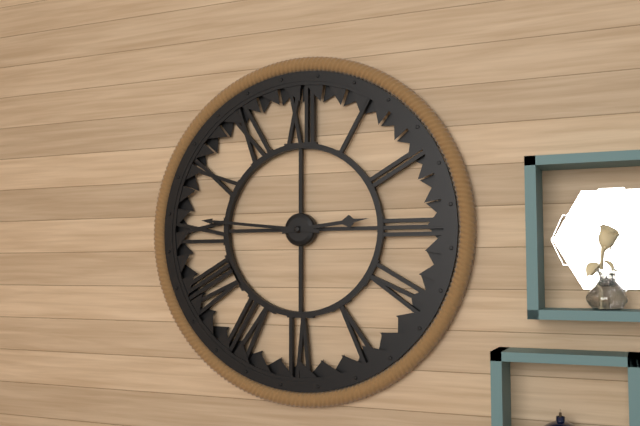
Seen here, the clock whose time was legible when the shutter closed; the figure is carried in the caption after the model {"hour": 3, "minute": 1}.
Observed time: {"hour": 2, "minute": 46}
